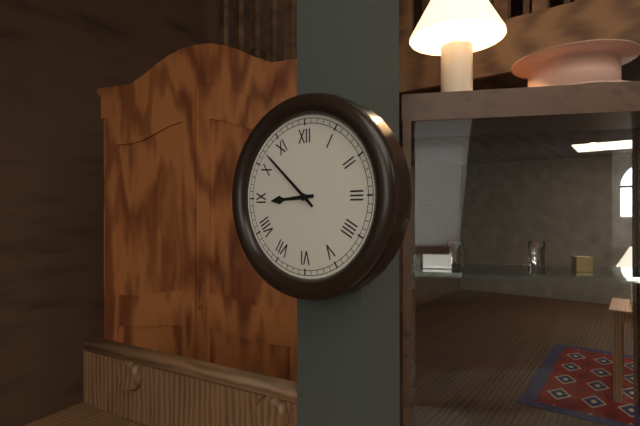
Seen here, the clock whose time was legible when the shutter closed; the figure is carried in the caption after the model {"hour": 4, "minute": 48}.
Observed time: {"hour": 8, "minute": 52}
